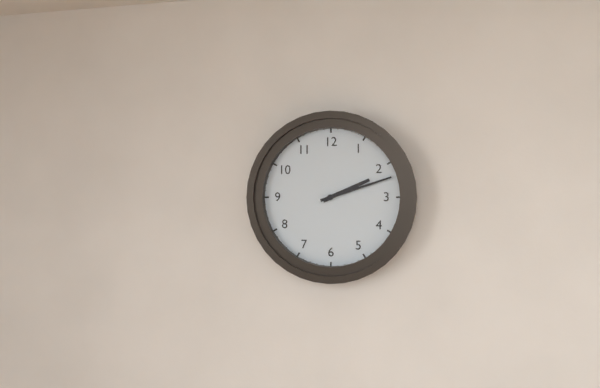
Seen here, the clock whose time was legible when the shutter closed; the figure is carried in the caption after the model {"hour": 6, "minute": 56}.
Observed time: {"hour": 2, "minute": 12}
